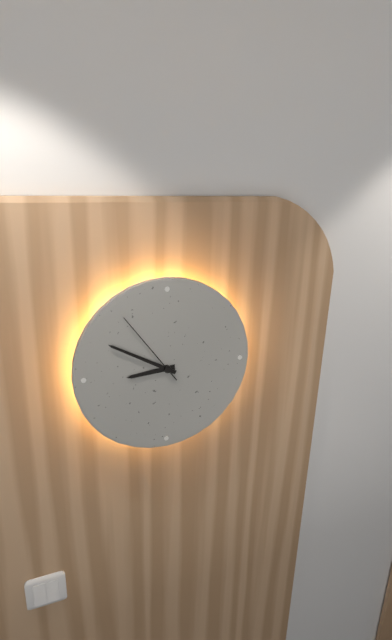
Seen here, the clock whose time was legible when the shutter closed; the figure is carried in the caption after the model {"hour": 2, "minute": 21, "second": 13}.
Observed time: {"hour": 8, "minute": 50, "second": 54}
